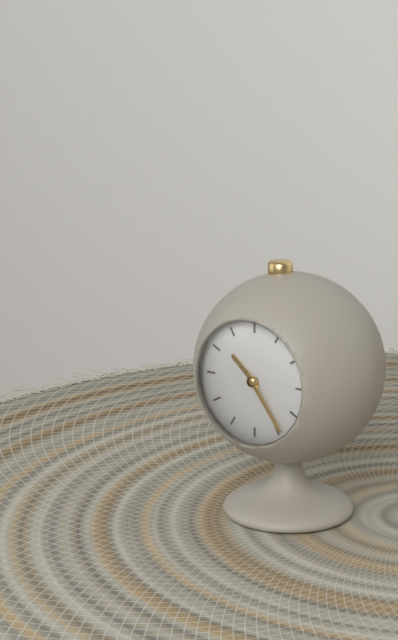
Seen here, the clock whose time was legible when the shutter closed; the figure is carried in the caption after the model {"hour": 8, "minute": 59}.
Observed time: {"hour": 10, "minute": 24}
